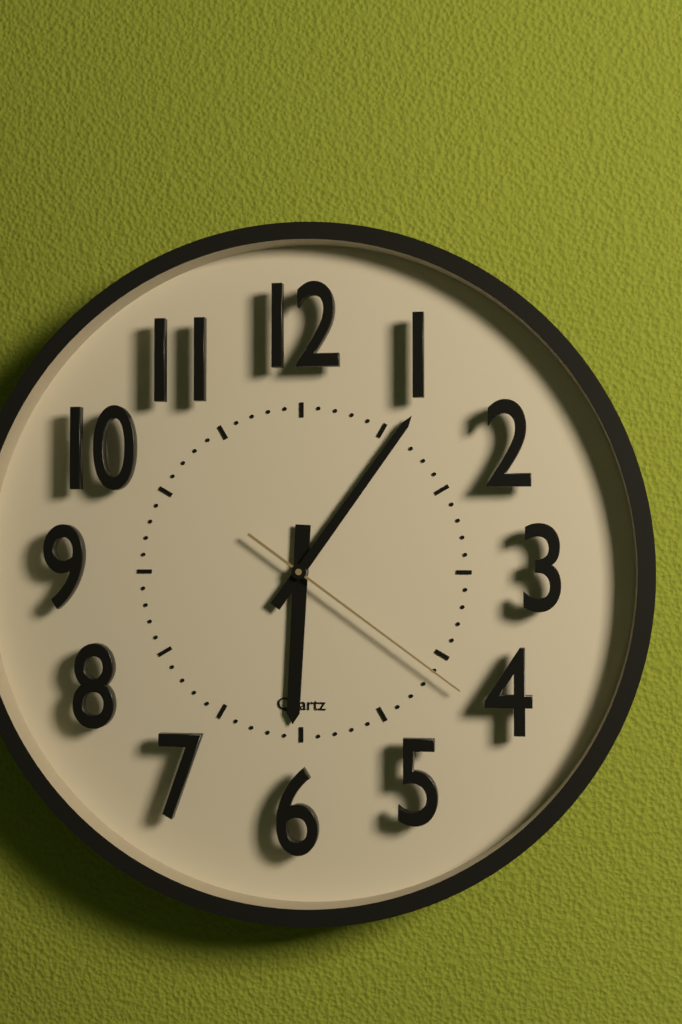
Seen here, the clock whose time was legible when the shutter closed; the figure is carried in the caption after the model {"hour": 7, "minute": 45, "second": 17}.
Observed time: {"hour": 6, "minute": 6, "second": 21}
